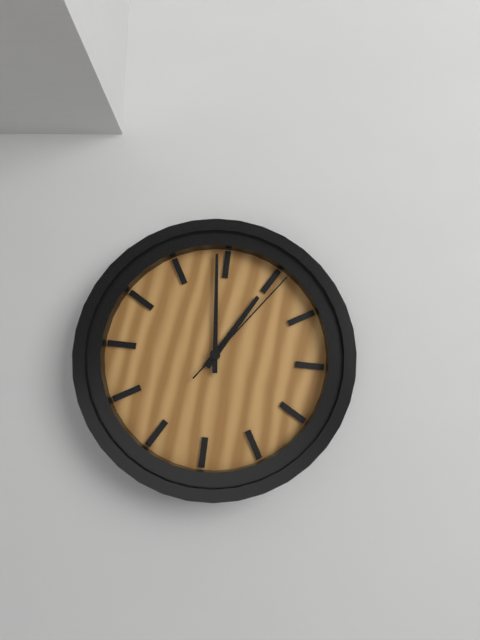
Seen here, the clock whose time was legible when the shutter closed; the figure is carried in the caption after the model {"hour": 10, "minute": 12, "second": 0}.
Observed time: {"hour": 12, "minute": 59, "second": 6}
